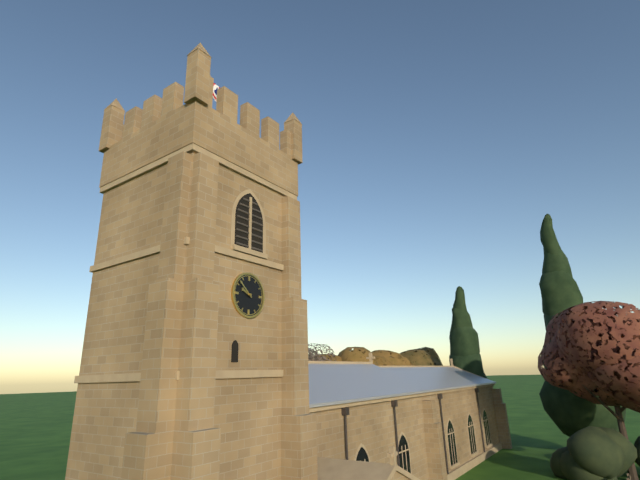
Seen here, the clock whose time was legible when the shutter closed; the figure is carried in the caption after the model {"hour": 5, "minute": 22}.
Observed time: {"hour": 9, "minute": 52}
